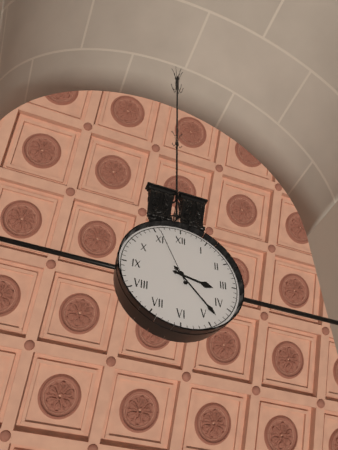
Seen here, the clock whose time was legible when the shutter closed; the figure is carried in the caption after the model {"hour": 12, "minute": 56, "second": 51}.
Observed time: {"hour": 3, "minute": 23, "second": 56}
